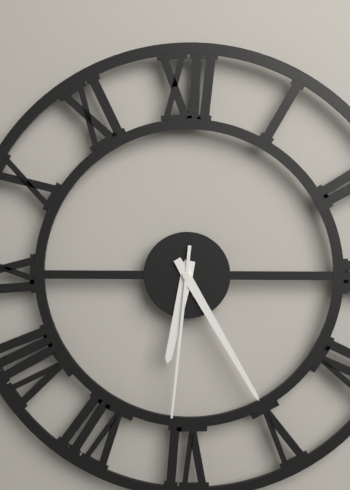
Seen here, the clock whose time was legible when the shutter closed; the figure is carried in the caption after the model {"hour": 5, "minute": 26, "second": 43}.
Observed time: {"hour": 6, "minute": 25, "second": 31}
